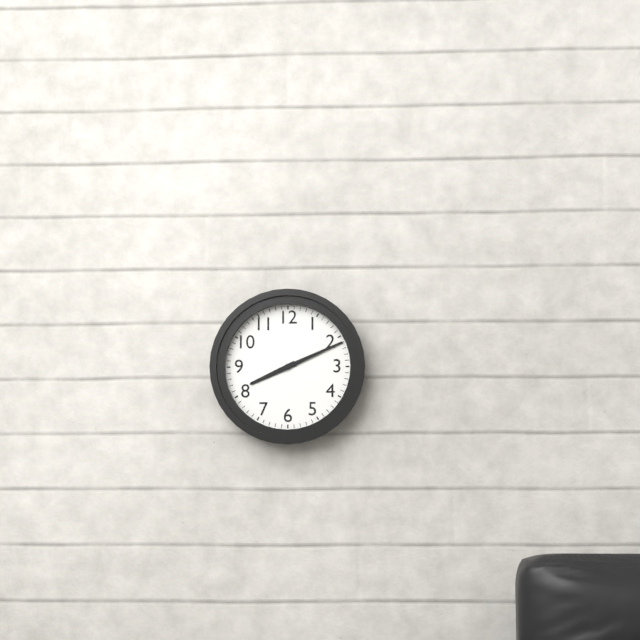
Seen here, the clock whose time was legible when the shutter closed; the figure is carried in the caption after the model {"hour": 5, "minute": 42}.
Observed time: {"hour": 8, "minute": 11}
